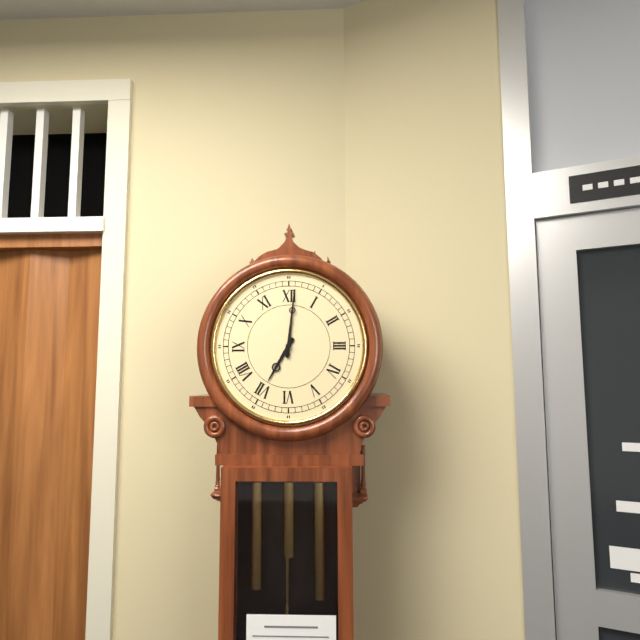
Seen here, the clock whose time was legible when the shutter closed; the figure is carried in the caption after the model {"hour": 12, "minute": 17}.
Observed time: {"hour": 7, "minute": 1}
